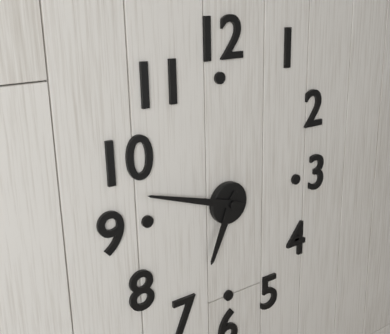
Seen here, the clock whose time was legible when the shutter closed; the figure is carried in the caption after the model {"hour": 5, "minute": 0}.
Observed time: {"hour": 6, "minute": 48}
